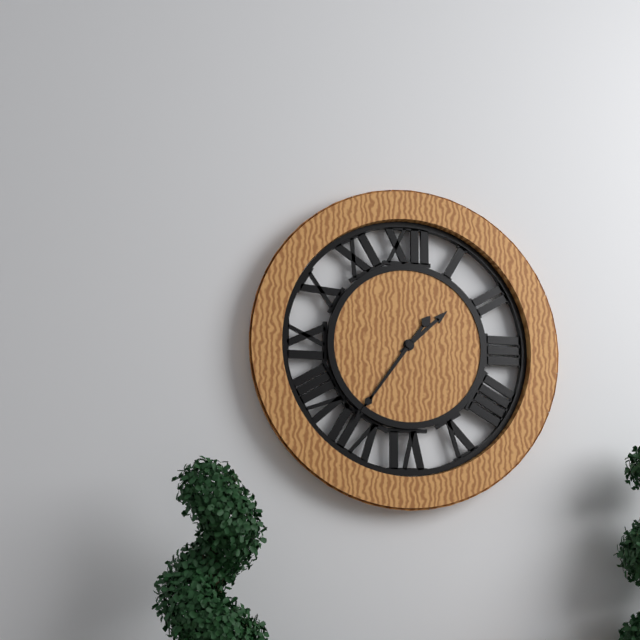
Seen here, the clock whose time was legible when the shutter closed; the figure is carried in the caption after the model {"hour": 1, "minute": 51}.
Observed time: {"hour": 1, "minute": 36}
